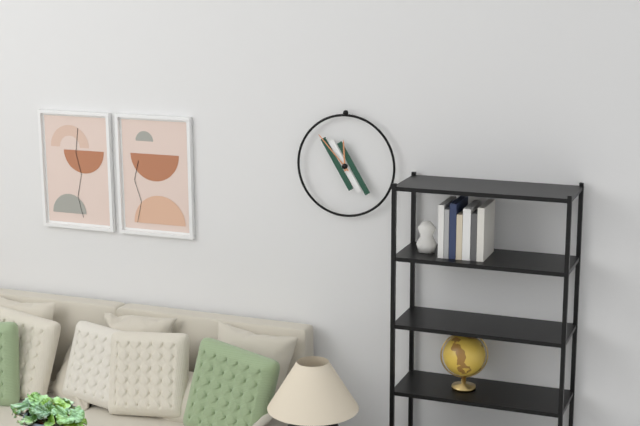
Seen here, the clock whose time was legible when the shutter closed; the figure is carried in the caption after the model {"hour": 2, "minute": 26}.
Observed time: {"hour": 11, "minute": 53}
